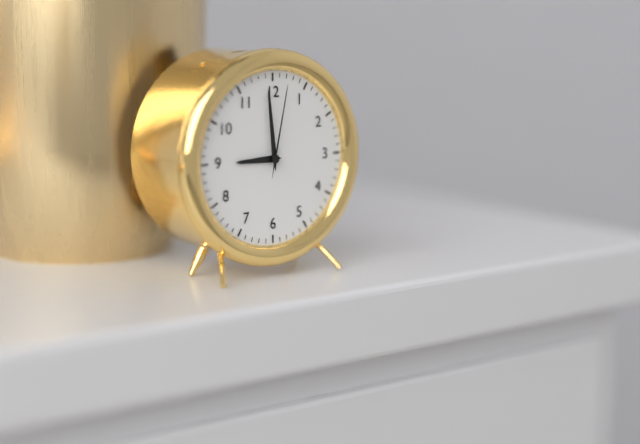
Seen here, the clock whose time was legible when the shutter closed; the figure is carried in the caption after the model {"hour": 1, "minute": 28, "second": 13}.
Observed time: {"hour": 8, "minute": 59, "second": 2}
